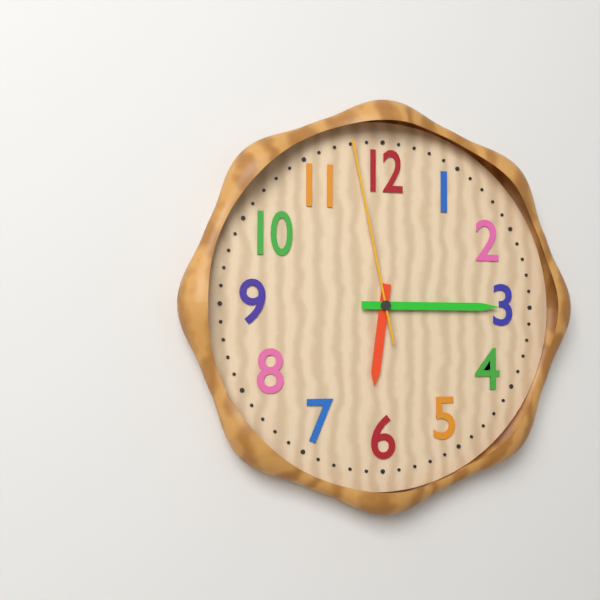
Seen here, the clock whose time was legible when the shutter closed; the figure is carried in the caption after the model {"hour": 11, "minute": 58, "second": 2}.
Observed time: {"hour": 6, "minute": 15, "second": 58}
